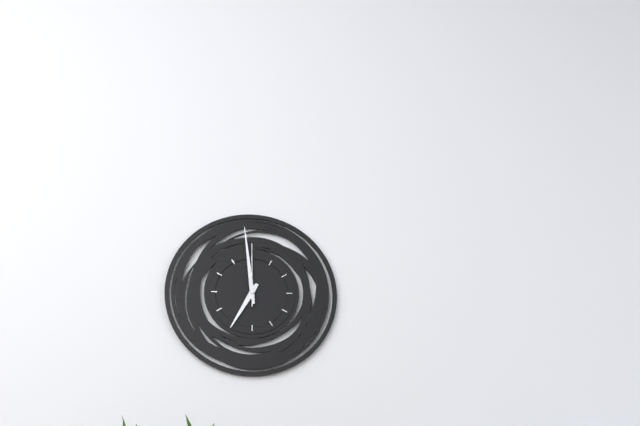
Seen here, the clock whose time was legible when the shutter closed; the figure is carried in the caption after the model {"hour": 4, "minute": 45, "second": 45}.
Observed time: {"hour": 6, "minute": 59, "second": 0}
